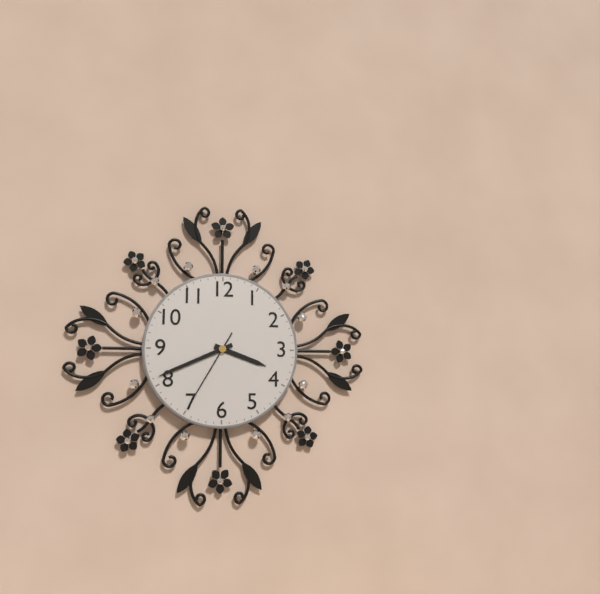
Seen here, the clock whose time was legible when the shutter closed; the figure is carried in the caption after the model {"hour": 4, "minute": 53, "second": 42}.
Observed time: {"hour": 3, "minute": 41, "second": 35}
